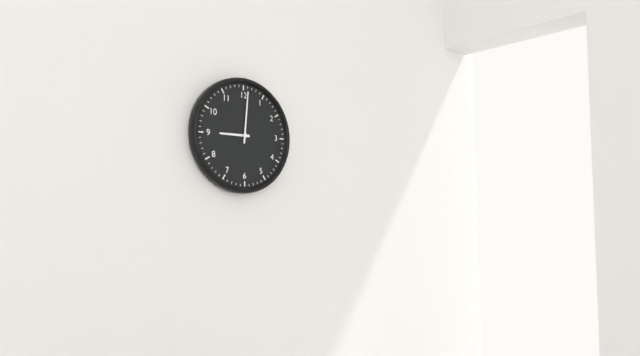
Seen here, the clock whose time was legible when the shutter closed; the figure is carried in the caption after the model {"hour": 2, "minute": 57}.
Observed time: {"hour": 9, "minute": 1}
